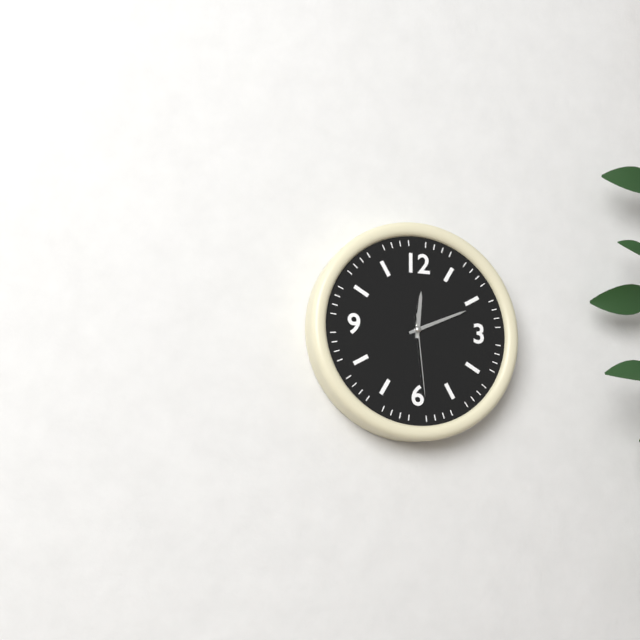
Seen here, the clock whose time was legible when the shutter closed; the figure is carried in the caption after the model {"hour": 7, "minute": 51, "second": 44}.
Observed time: {"hour": 12, "minute": 11, "second": 29}
